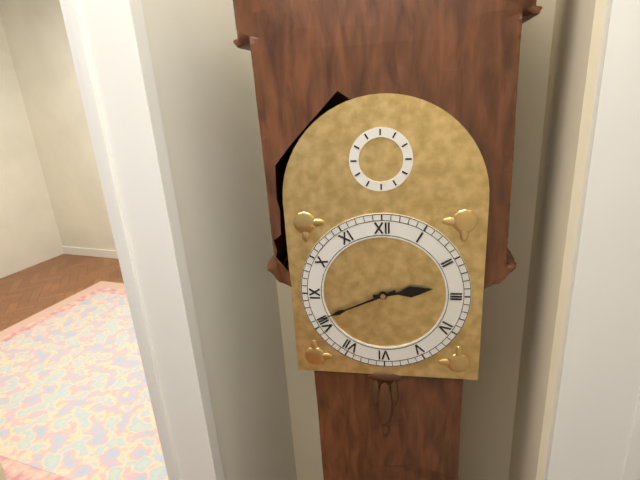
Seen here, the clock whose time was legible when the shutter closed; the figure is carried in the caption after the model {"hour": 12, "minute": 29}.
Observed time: {"hour": 2, "minute": 41}
